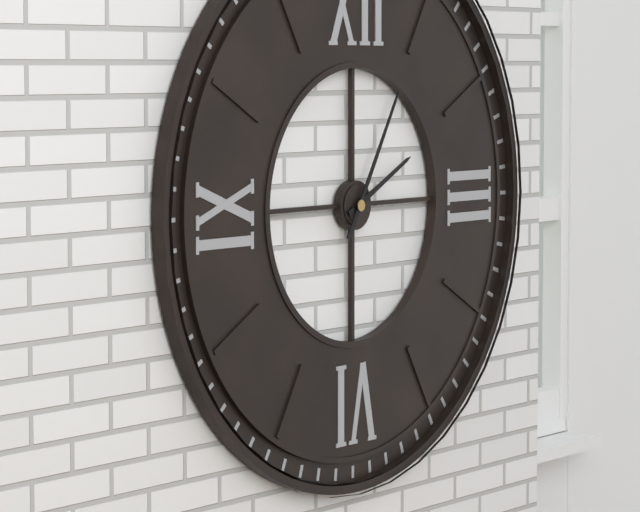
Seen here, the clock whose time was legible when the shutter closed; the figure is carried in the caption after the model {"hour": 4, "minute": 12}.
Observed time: {"hour": 2, "minute": 5}
